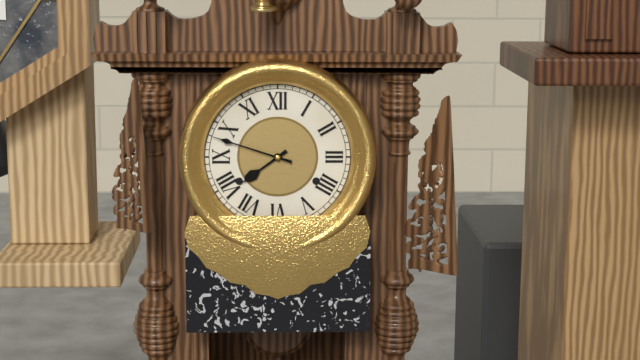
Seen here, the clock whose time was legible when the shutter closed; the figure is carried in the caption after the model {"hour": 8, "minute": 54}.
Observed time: {"hour": 7, "minute": 48}
